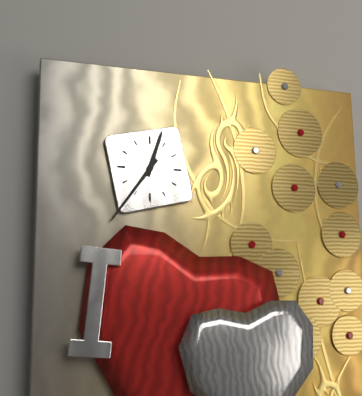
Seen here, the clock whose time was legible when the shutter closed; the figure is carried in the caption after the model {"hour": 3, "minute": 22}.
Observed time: {"hour": 12, "minute": 36}
